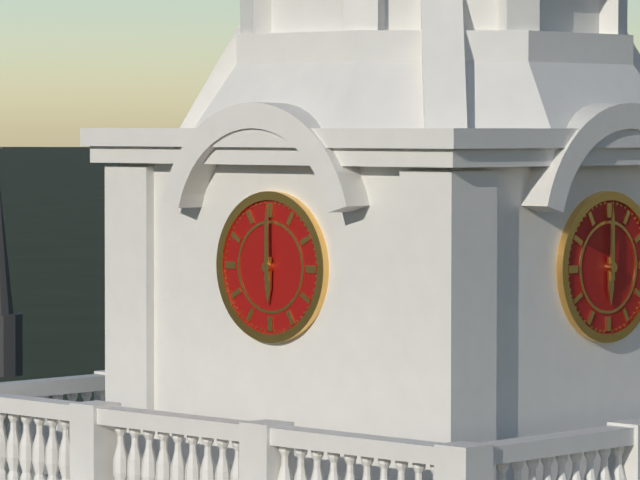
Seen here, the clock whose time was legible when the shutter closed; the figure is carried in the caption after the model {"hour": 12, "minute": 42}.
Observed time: {"hour": 6, "minute": 0}
